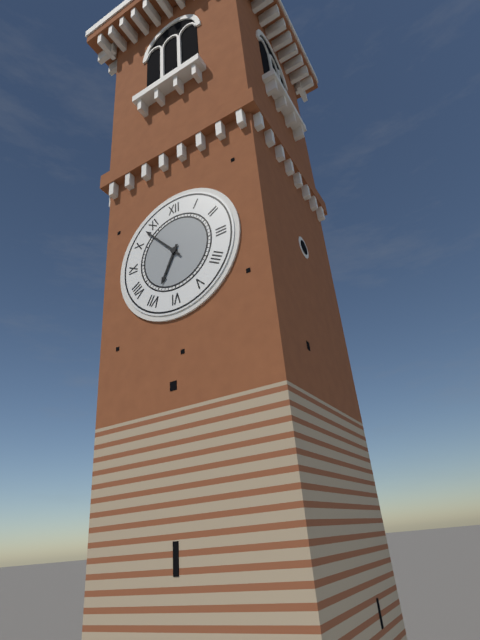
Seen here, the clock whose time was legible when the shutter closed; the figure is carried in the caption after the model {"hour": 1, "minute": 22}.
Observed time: {"hour": 6, "minute": 53}
